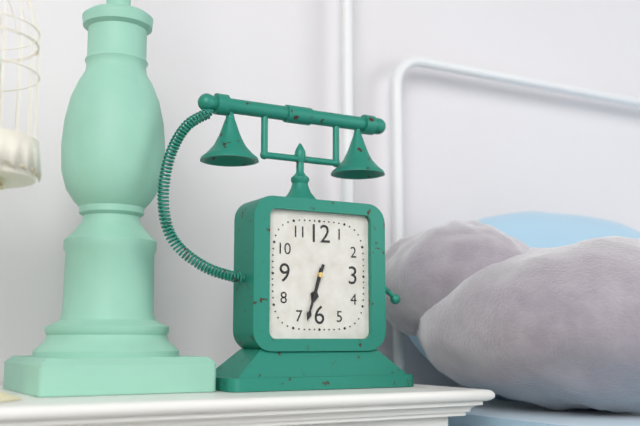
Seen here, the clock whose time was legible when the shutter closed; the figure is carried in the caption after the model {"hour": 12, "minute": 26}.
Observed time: {"hour": 6, "minute": 33}
